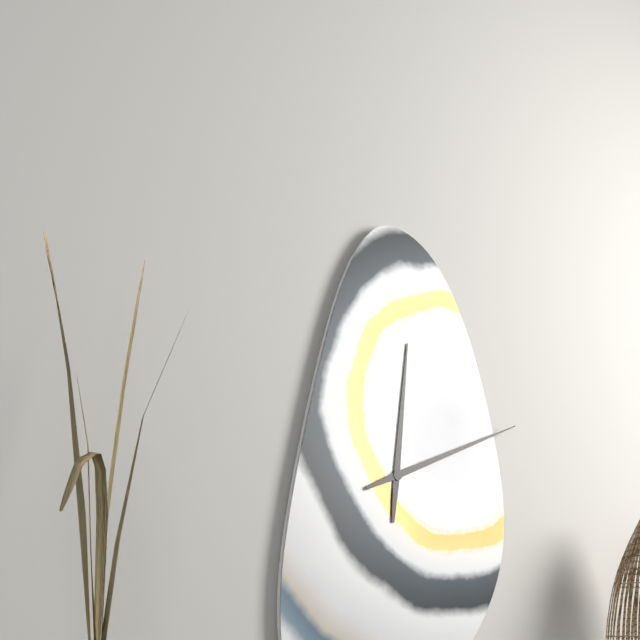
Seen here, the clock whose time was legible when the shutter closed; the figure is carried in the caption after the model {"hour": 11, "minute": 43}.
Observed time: {"hour": 12, "minute": 11}
